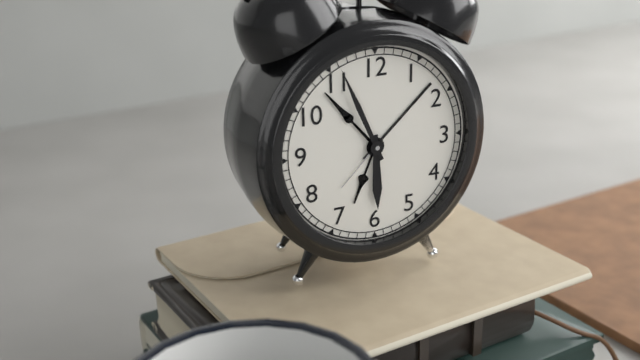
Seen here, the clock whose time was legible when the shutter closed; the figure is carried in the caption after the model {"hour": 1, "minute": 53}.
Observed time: {"hour": 5, "minute": 56}
